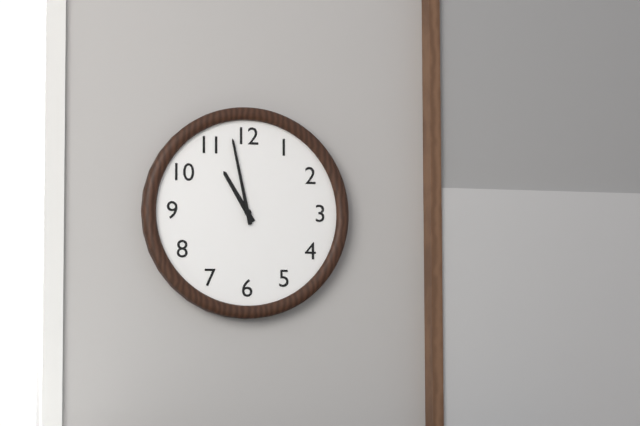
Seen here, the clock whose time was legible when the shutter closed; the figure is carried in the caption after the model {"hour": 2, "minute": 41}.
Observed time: {"hour": 10, "minute": 58}
